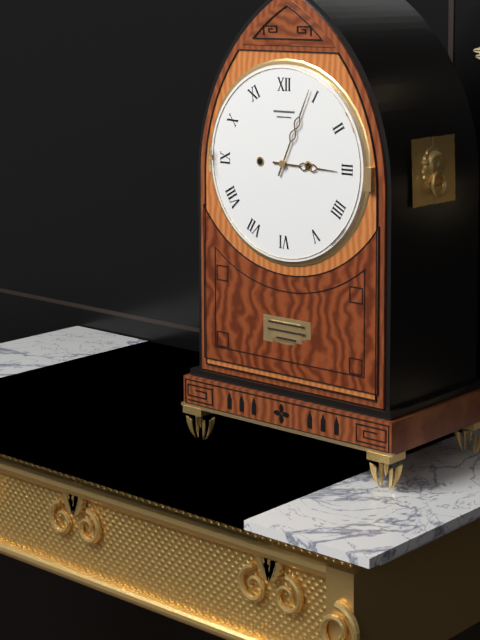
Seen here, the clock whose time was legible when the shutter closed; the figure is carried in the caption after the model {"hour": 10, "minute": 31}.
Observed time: {"hour": 3, "minute": 4}
